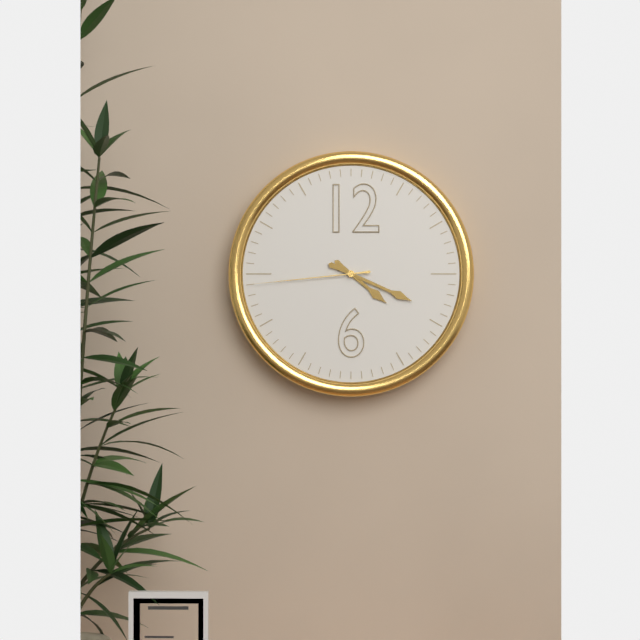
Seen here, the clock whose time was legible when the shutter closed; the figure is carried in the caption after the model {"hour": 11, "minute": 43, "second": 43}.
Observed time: {"hour": 4, "minute": 19, "second": 44}
